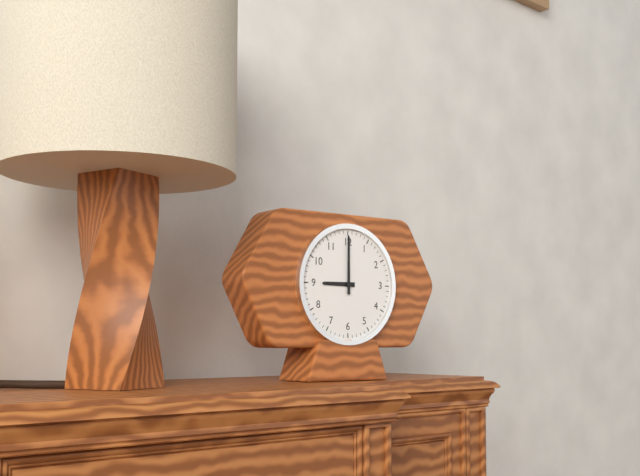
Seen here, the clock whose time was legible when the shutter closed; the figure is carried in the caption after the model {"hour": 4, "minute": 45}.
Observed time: {"hour": 9, "minute": 0}
